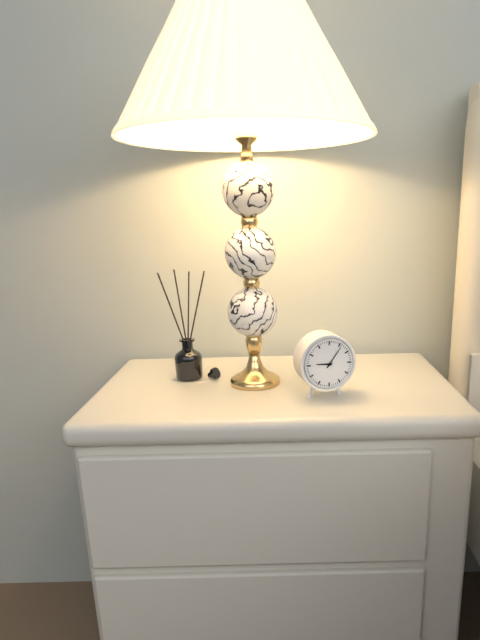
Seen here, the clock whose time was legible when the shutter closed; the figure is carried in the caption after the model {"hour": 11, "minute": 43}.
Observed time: {"hour": 9, "minute": 6}
